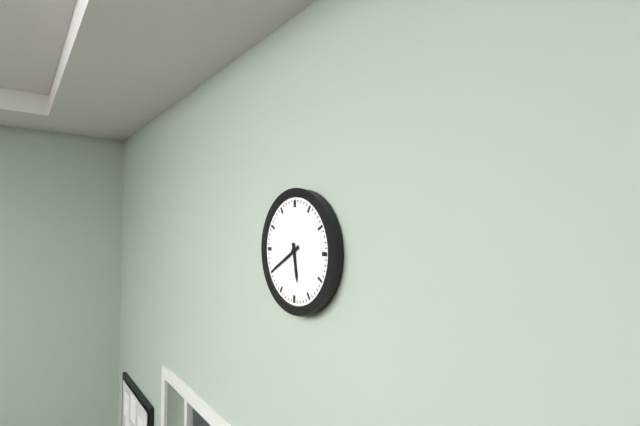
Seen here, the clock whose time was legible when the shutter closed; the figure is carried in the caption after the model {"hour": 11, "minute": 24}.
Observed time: {"hour": 5, "minute": 40}
